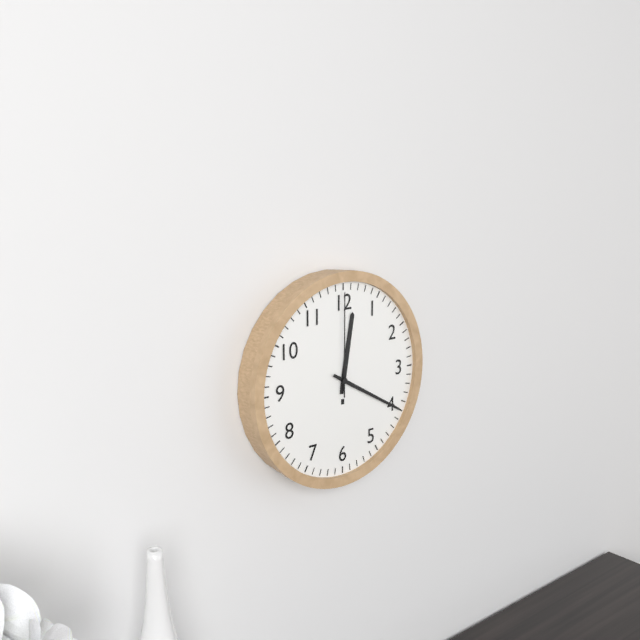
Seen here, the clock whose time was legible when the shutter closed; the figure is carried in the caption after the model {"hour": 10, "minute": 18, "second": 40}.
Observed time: {"hour": 12, "minute": 20, "second": 0}
